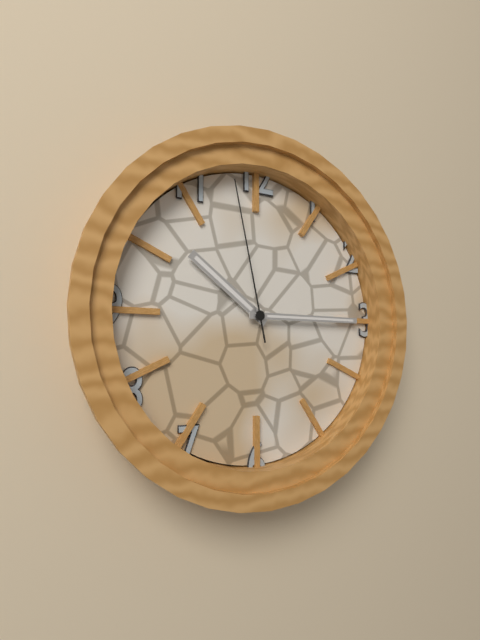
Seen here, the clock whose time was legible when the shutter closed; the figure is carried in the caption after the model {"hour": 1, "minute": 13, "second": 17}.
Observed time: {"hour": 10, "minute": 15, "second": 58}
